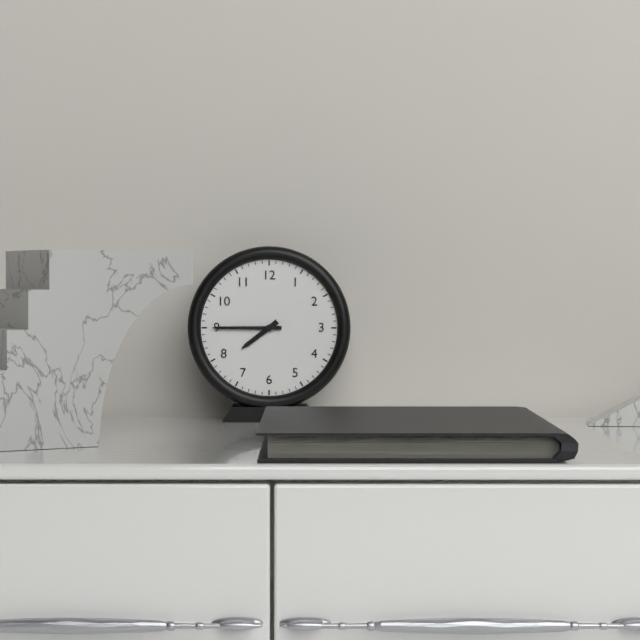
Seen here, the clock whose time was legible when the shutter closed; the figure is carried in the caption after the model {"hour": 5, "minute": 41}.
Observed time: {"hour": 7, "minute": 45}
